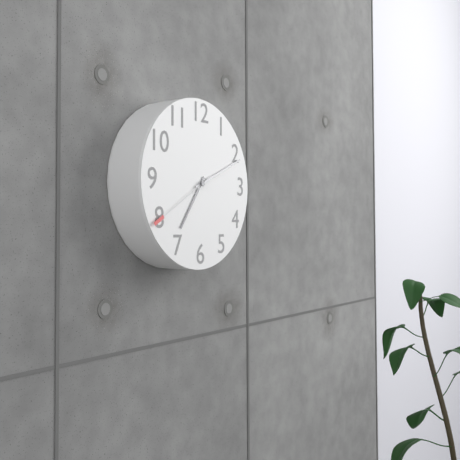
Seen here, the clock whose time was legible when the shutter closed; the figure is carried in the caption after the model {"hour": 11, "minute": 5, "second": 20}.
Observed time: {"hour": 7, "minute": 11, "second": 40}
